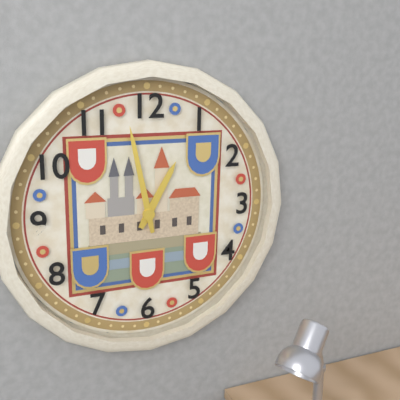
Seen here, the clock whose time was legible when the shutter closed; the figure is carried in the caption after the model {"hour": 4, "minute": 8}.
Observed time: {"hour": 12, "minute": 58}
